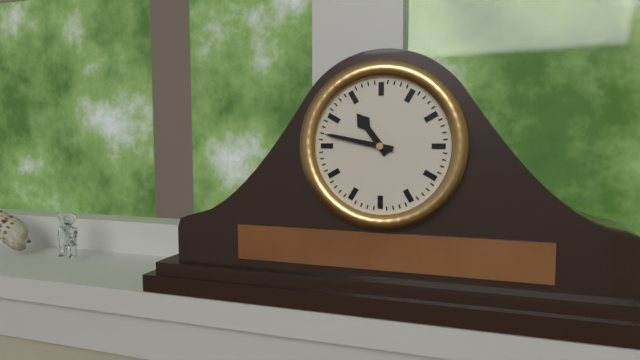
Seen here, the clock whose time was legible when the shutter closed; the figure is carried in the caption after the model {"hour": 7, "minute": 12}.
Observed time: {"hour": 10, "minute": 47}
